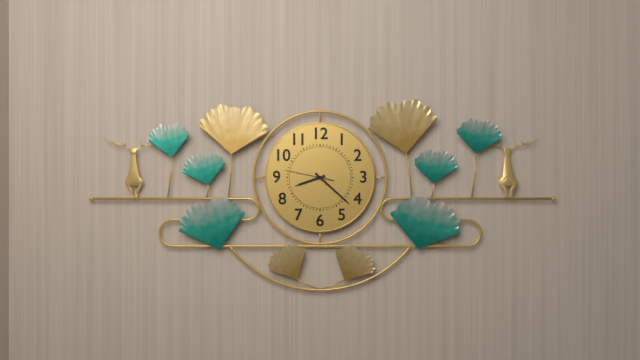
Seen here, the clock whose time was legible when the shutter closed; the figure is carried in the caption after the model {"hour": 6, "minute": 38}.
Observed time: {"hour": 8, "minute": 22}
